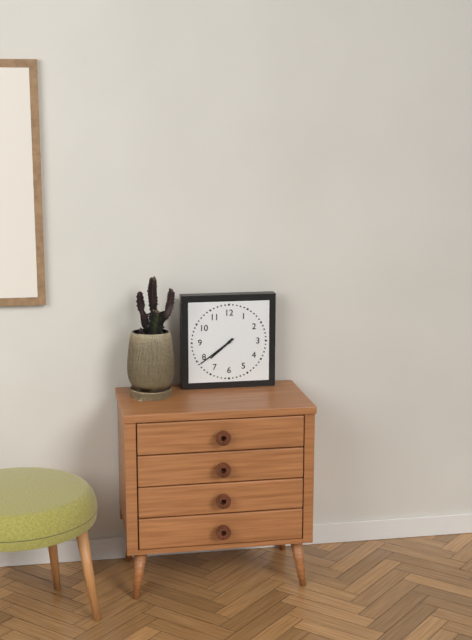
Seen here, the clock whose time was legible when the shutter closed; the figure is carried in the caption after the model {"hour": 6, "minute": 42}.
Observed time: {"hour": 7, "minute": 39}
